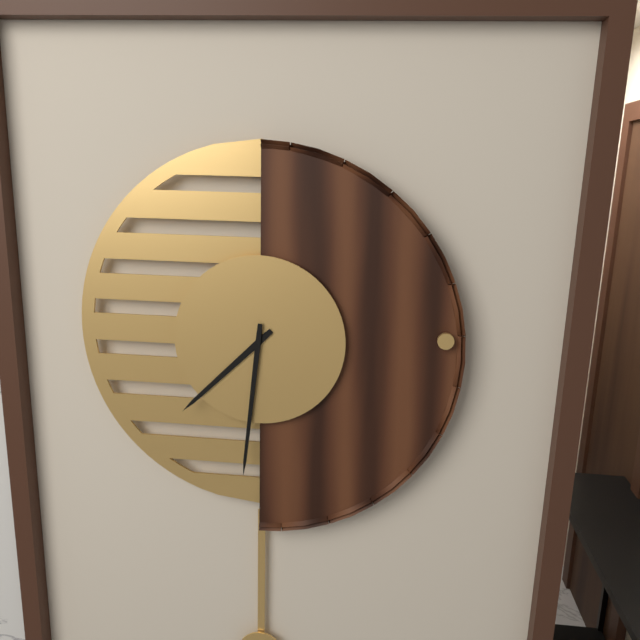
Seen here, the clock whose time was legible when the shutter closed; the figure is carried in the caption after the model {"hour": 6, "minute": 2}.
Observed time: {"hour": 7, "minute": 31}
